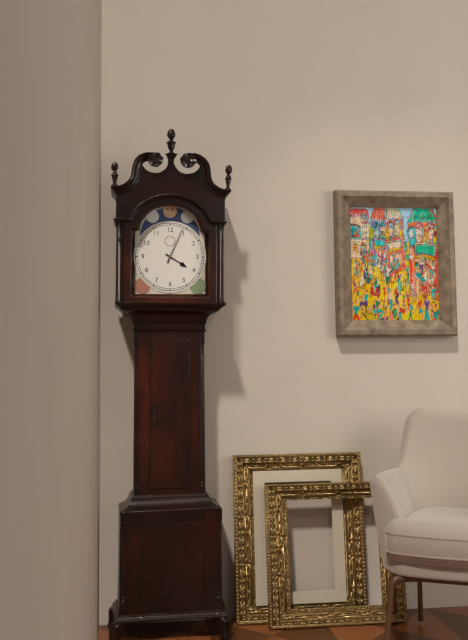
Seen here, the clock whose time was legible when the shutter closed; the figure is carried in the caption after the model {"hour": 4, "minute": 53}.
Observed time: {"hour": 4, "minute": 4}
